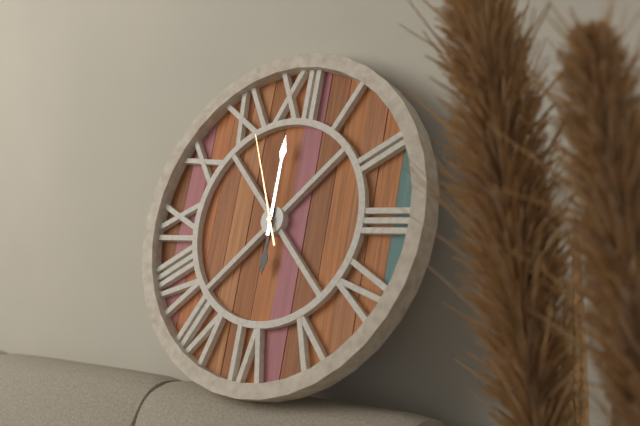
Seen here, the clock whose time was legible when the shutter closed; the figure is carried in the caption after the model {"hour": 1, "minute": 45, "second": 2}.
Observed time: {"hour": 6, "minute": 0, "second": 56}
